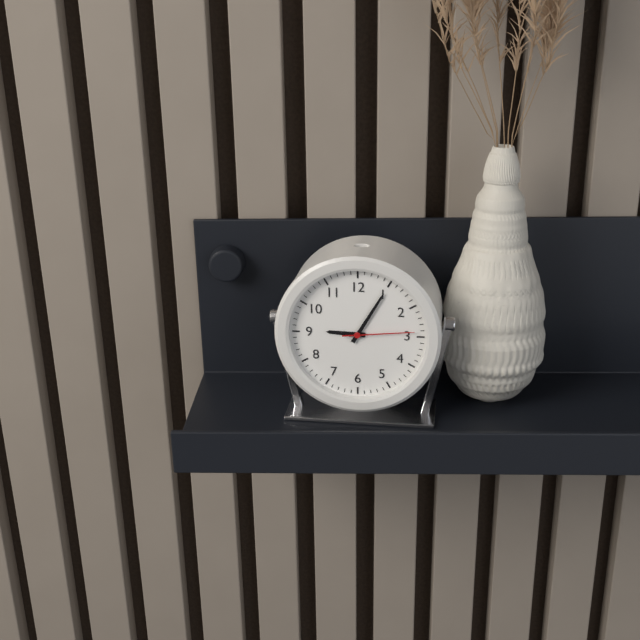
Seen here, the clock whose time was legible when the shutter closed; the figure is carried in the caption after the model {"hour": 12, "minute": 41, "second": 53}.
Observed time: {"hour": 9, "minute": 5, "second": 14}
